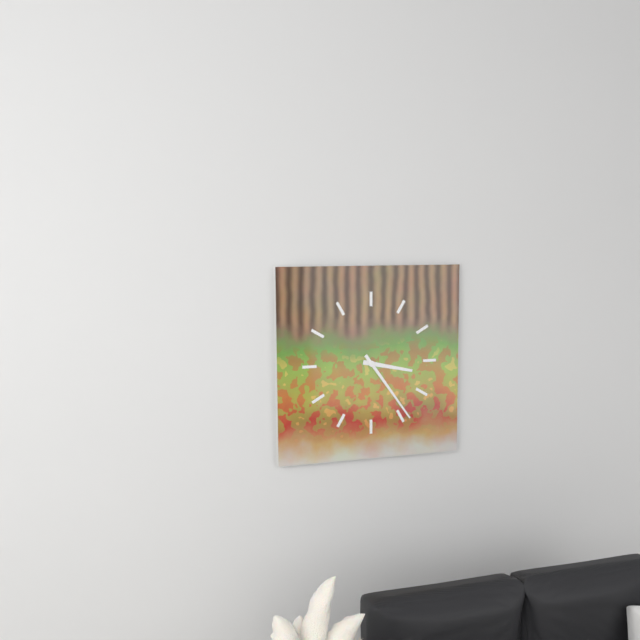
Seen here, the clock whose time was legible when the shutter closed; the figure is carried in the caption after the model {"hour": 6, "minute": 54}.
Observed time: {"hour": 3, "minute": 24}
